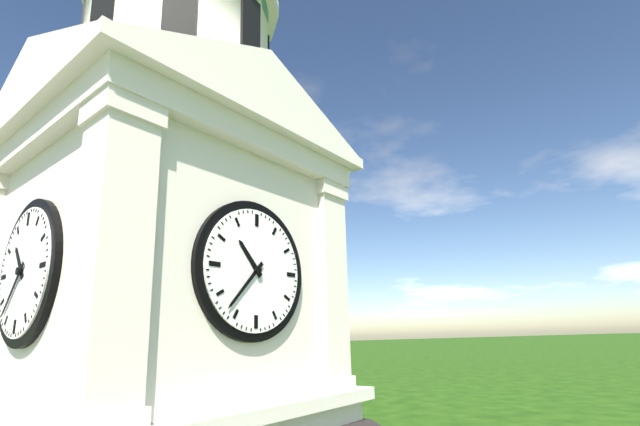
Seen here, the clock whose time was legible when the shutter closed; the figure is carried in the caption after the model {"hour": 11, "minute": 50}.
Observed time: {"hour": 10, "minute": 37}
